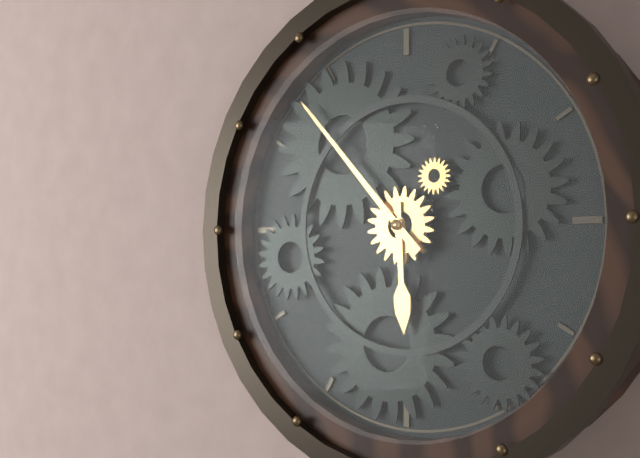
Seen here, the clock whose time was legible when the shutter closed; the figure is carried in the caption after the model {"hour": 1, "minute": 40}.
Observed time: {"hour": 5, "minute": 53}
